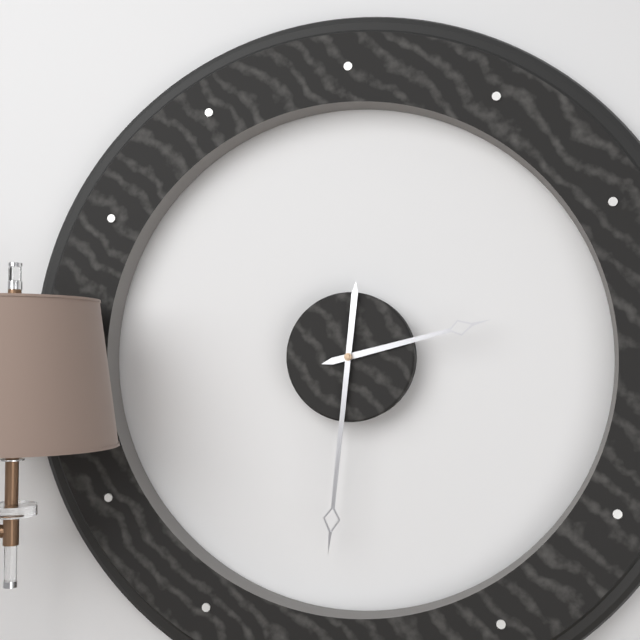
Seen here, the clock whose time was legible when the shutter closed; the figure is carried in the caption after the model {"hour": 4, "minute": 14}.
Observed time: {"hour": 2, "minute": 31}
